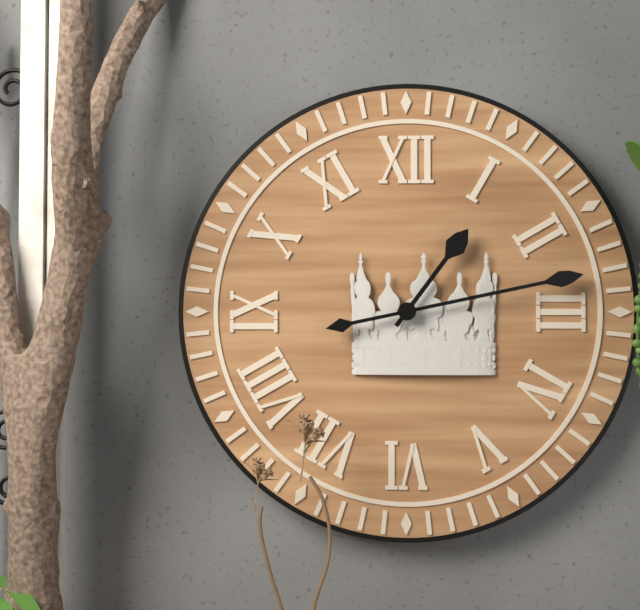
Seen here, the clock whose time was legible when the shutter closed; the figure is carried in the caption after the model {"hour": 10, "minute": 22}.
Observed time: {"hour": 1, "minute": 13}
